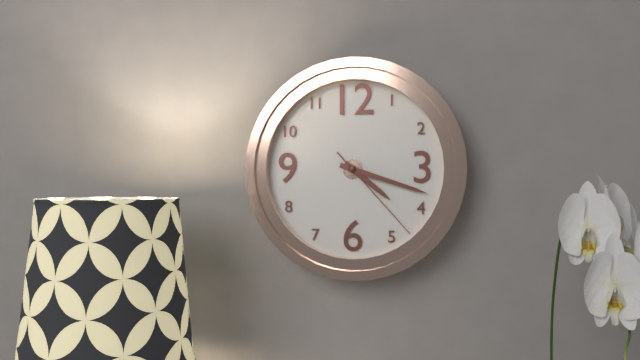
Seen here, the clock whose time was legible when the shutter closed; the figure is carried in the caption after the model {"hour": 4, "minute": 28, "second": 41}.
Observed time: {"hour": 4, "minute": 18, "second": 23}
